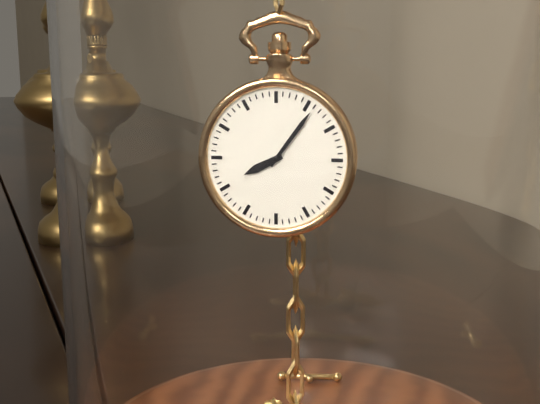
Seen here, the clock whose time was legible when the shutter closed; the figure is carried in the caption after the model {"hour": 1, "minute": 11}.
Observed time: {"hour": 8, "minute": 6}
